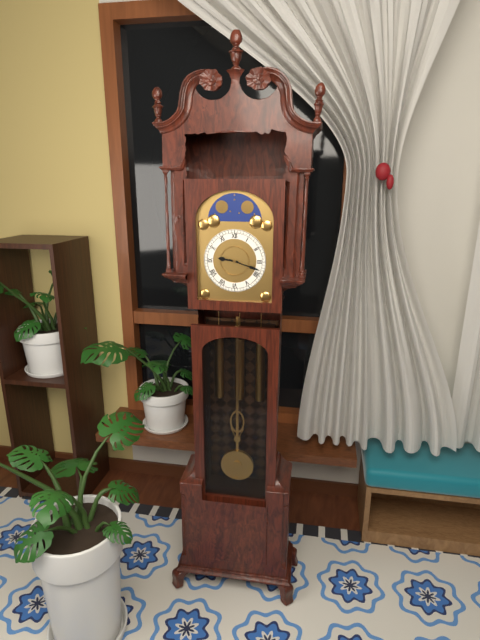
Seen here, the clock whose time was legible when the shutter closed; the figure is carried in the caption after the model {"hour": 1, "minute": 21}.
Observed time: {"hour": 9, "minute": 18}
